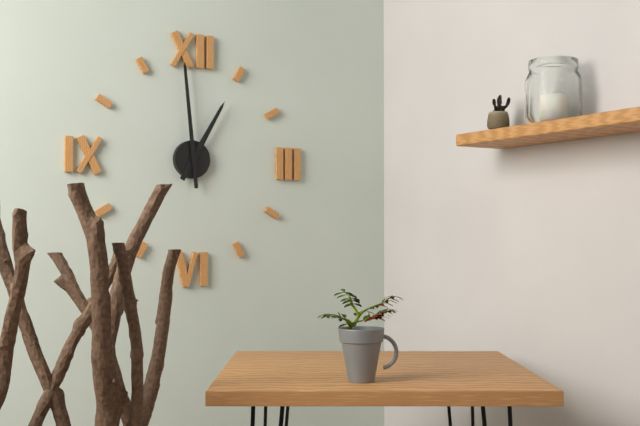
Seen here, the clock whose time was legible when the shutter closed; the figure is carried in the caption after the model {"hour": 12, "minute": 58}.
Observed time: {"hour": 12, "minute": 59}
